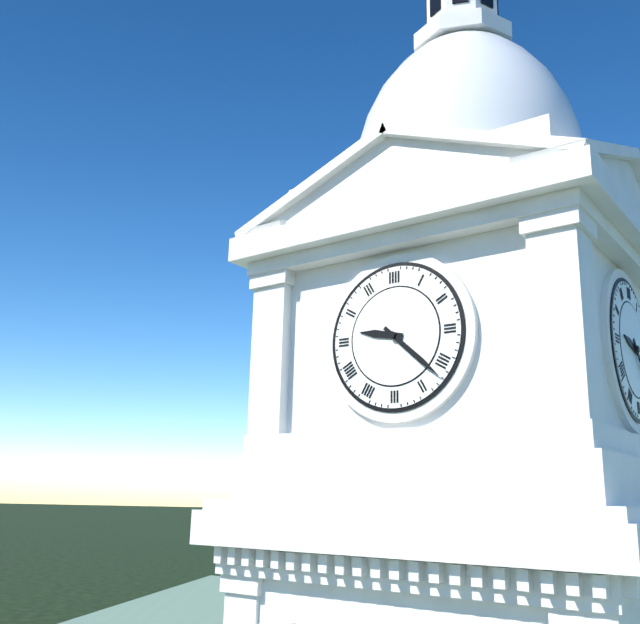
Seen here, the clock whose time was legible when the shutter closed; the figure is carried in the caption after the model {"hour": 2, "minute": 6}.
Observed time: {"hour": 9, "minute": 22}
